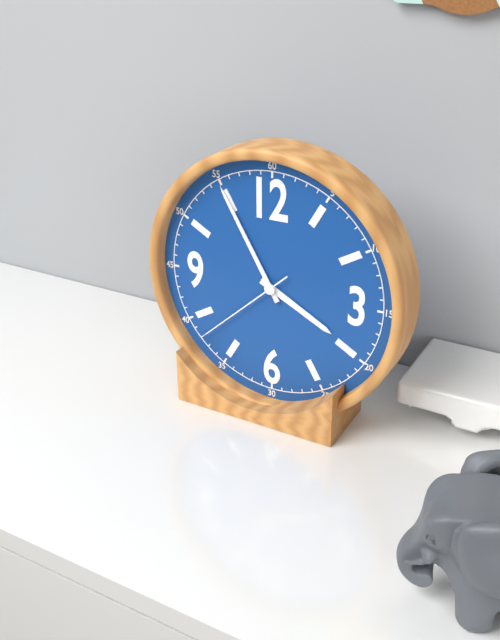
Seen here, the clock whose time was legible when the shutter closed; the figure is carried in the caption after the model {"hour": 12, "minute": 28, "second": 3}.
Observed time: {"hour": 3, "minute": 55, "second": 38}
